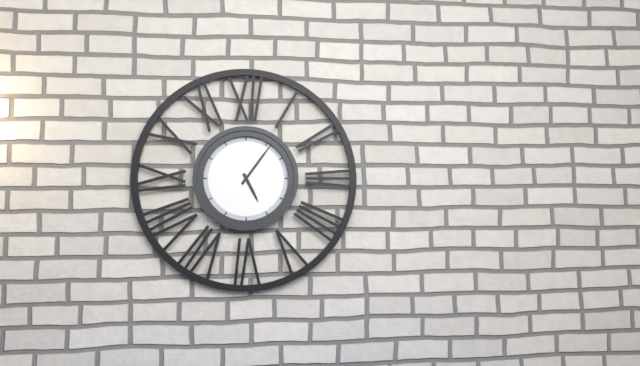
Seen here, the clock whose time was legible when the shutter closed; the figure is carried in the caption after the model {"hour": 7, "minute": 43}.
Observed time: {"hour": 5, "minute": 6}
